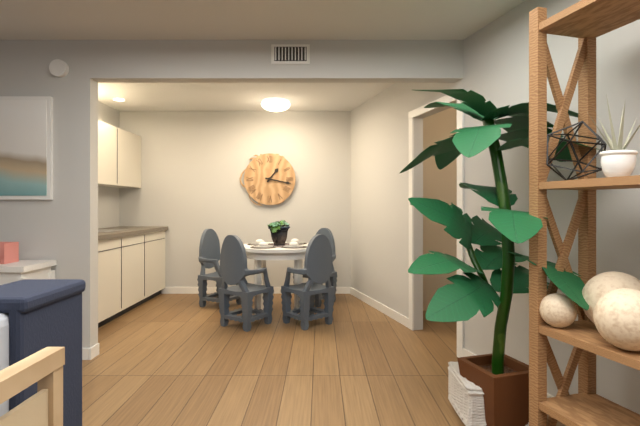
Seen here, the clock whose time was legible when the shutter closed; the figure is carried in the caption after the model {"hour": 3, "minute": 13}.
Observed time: {"hour": 1, "minute": 17}
